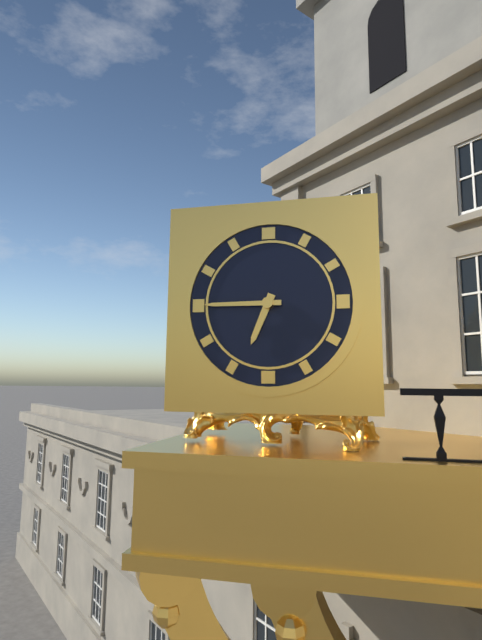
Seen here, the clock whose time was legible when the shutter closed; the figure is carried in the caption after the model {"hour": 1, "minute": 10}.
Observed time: {"hour": 6, "minute": 45}
